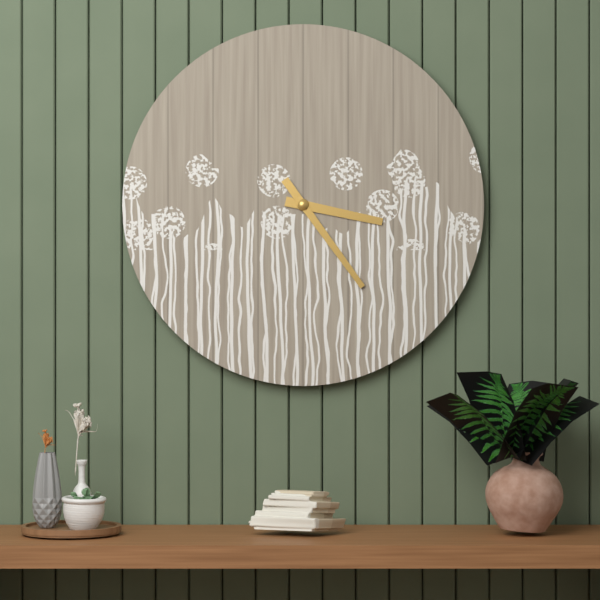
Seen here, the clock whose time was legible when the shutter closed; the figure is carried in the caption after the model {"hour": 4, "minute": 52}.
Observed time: {"hour": 3, "minute": 24}
